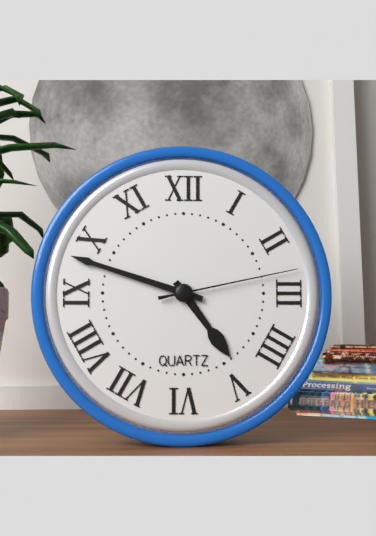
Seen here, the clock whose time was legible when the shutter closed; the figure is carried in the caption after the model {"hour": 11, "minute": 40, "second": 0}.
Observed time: {"hour": 4, "minute": 48, "second": 13}
